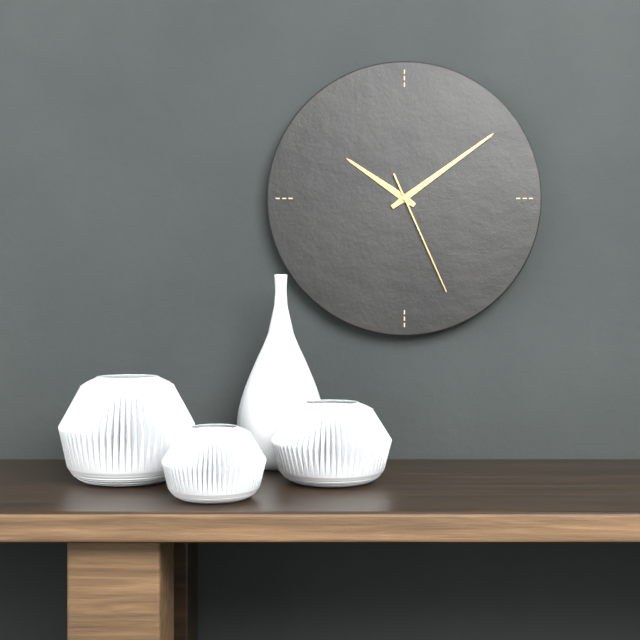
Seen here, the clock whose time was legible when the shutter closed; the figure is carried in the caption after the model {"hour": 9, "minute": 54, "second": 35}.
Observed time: {"hour": 10, "minute": 9, "second": 26}
